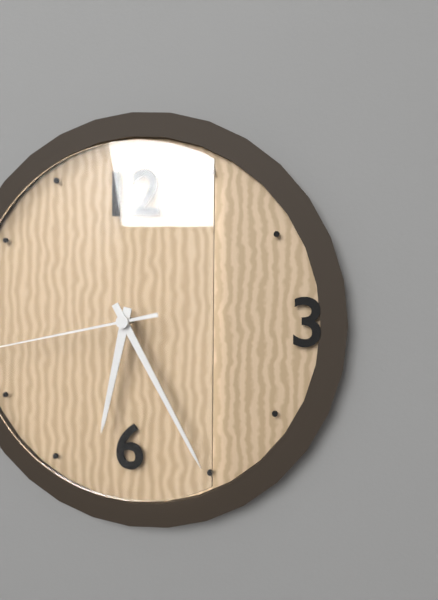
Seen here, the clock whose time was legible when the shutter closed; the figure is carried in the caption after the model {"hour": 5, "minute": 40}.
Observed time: {"hour": 6, "minute": 25}
